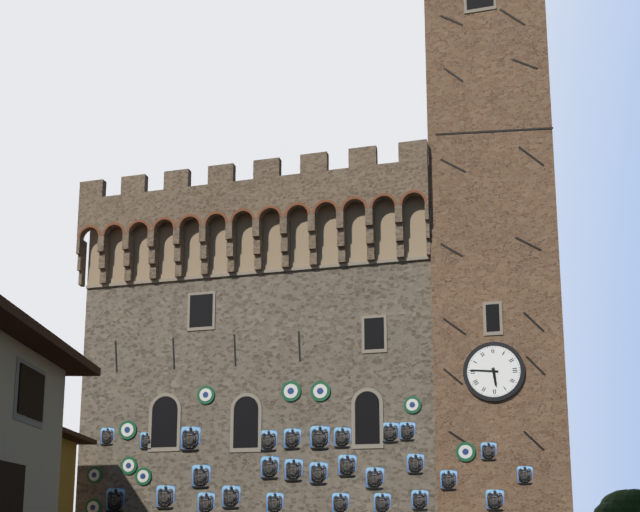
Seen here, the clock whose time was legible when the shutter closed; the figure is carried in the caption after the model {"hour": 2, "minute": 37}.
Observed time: {"hour": 5, "minute": 46}
